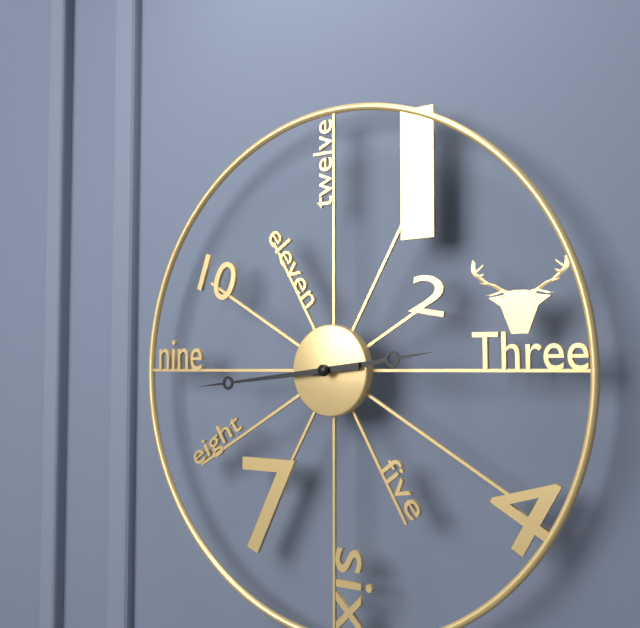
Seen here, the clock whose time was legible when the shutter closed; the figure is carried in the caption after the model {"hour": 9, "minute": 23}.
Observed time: {"hour": 2, "minute": 44}
